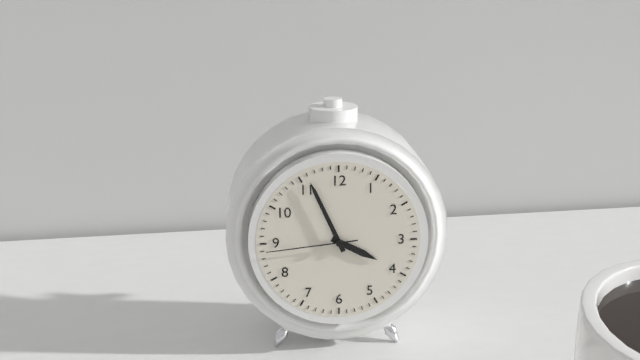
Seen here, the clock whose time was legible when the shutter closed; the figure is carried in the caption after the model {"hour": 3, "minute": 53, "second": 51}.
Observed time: {"hour": 3, "minute": 56, "second": 44}
